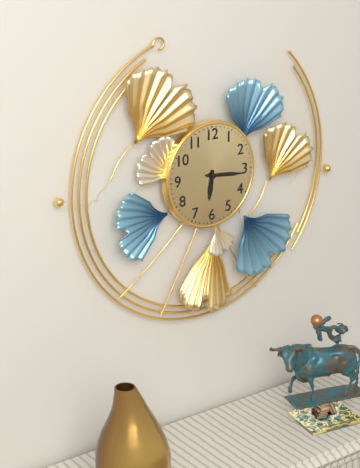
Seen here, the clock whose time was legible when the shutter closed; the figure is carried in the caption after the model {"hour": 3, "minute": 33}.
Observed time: {"hour": 6, "minute": 16}
